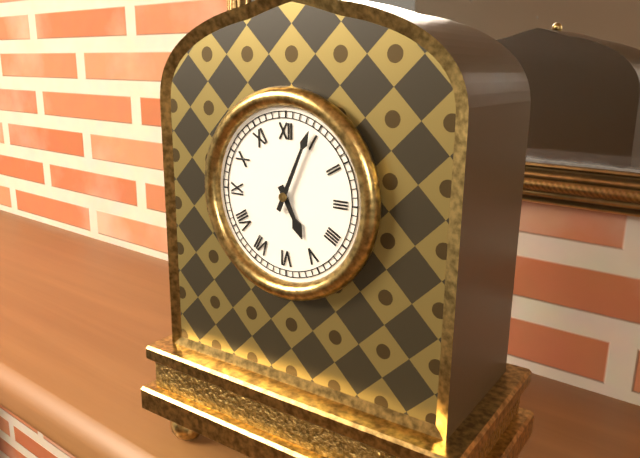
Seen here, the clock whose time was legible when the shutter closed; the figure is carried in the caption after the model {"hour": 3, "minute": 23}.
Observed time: {"hour": 5, "minute": 4}
